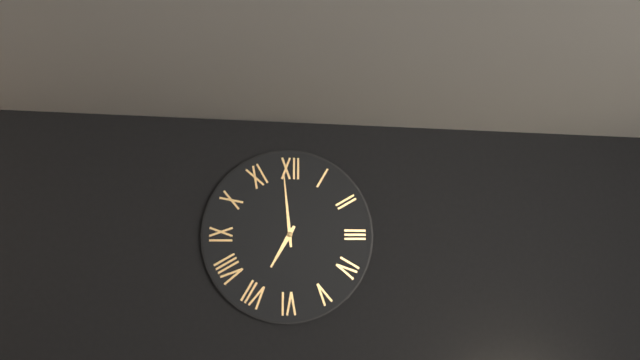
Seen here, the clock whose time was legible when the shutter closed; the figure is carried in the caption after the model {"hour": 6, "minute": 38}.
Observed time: {"hour": 6, "minute": 59}
